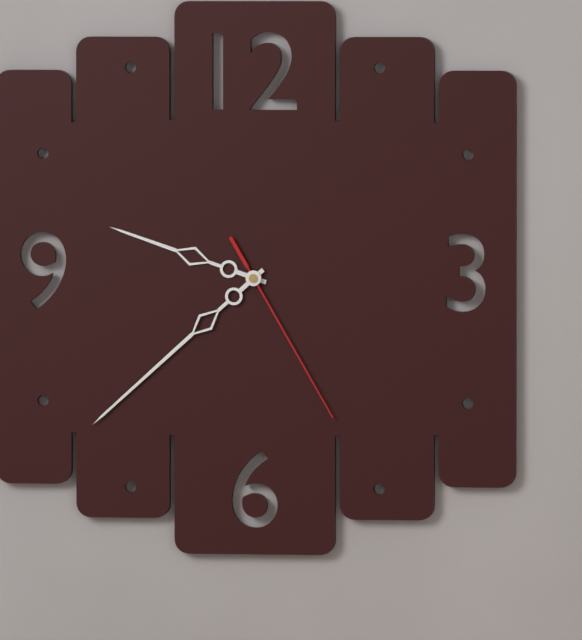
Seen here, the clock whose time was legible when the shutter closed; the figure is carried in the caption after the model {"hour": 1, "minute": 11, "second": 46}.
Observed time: {"hour": 9, "minute": 38, "second": 25}
